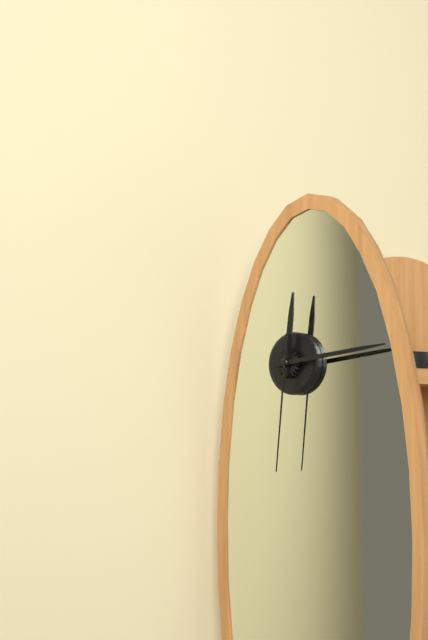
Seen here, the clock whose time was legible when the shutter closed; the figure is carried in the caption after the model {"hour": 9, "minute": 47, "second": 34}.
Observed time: {"hour": 12, "minute": 14, "second": 31}
